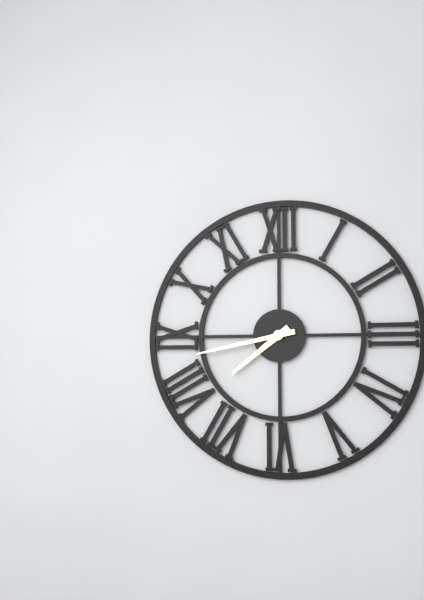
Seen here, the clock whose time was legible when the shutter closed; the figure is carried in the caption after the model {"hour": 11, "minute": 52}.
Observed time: {"hour": 7, "minute": 43}
